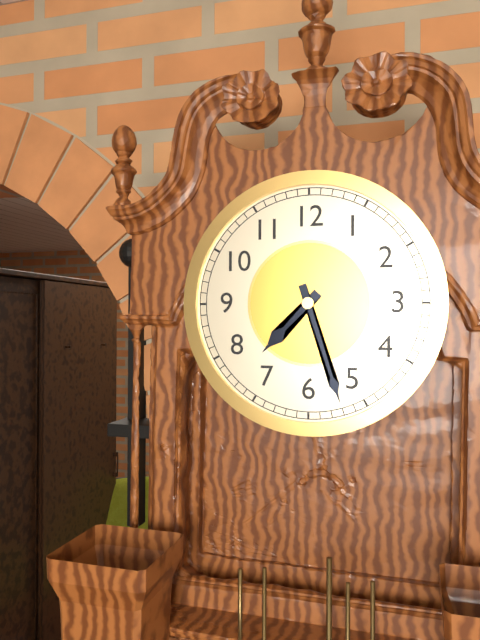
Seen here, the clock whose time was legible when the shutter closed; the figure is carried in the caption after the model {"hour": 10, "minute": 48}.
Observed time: {"hour": 7, "minute": 27}
